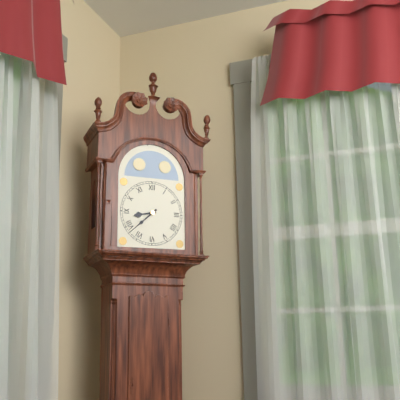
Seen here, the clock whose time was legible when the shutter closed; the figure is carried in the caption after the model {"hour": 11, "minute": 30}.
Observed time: {"hour": 8, "minute": 38}
